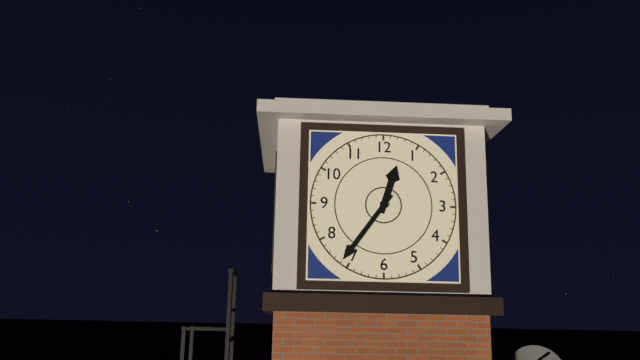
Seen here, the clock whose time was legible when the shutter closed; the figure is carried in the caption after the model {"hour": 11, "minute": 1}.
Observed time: {"hour": 12, "minute": 36}
